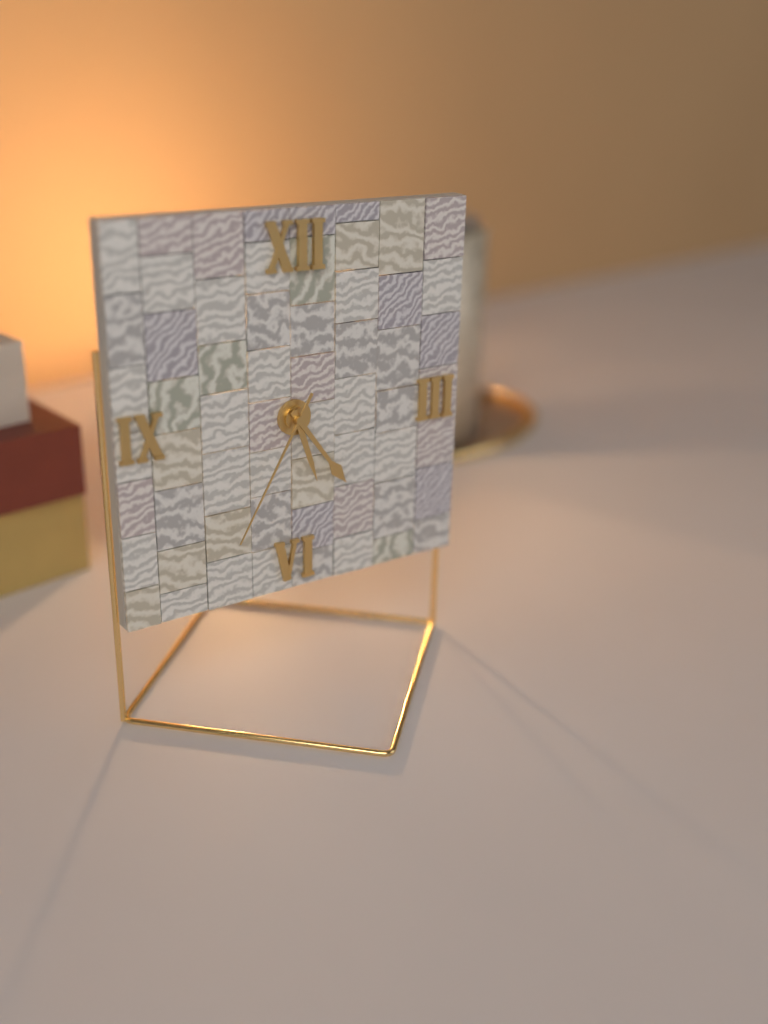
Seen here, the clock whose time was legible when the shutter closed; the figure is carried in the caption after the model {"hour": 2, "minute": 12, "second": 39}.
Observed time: {"hour": 5, "minute": 24, "second": 35}
